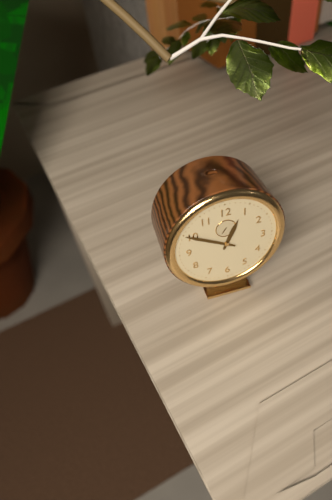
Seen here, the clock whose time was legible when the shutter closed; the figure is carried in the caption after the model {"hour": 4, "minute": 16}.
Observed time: {"hour": 12, "minute": 50}
